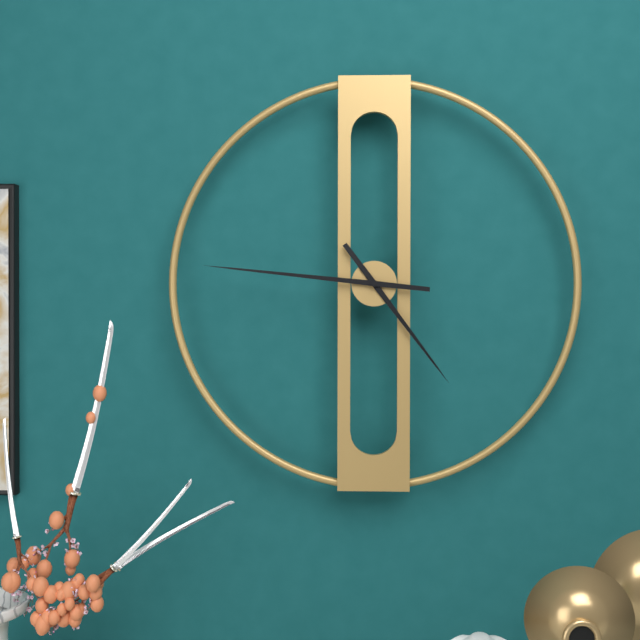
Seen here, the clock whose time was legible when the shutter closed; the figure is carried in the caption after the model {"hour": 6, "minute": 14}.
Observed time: {"hour": 4, "minute": 46}
